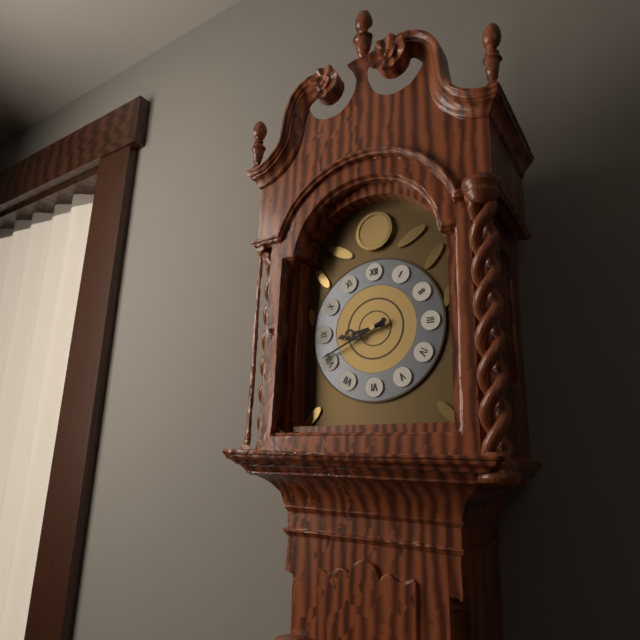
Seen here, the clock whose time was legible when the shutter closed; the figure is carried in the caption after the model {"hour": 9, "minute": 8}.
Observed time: {"hour": 8, "minute": 41}
